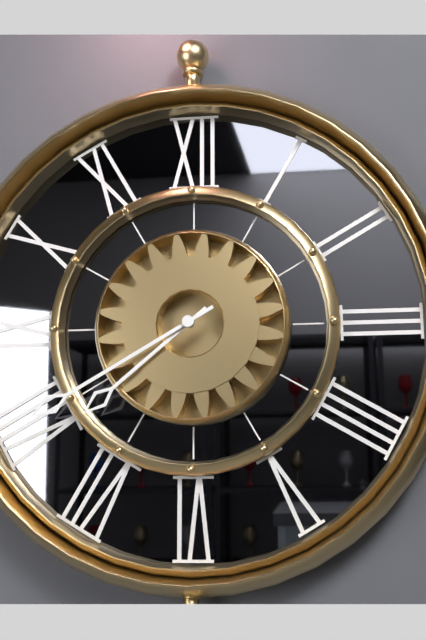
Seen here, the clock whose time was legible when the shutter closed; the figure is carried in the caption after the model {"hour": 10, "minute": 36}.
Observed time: {"hour": 7, "minute": 40}
